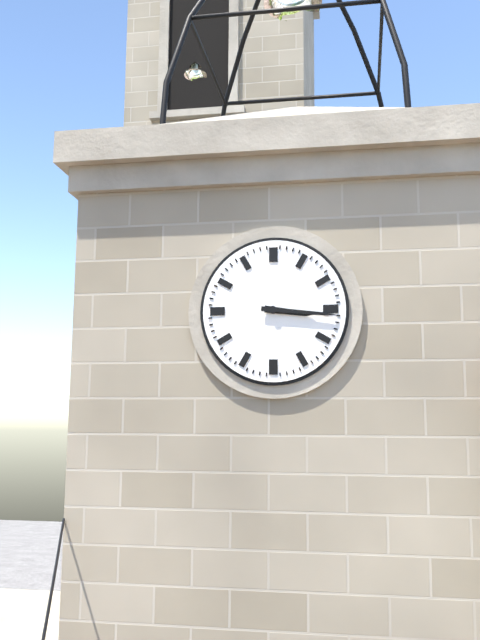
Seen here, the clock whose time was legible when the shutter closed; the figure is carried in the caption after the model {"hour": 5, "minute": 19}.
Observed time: {"hour": 3, "minute": 16}
